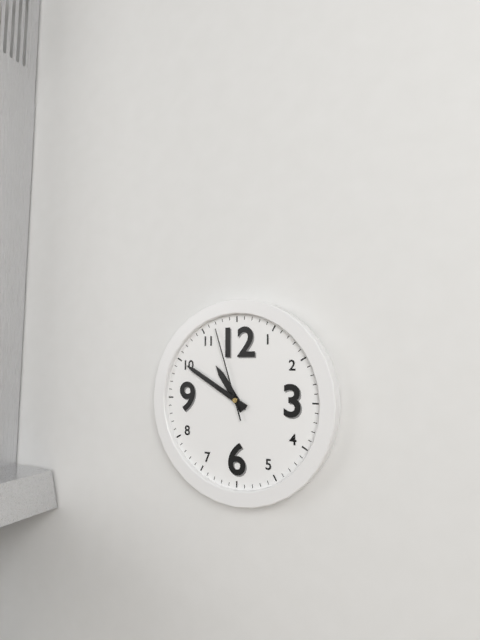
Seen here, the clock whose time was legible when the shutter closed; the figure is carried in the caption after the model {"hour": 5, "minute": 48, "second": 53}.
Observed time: {"hour": 10, "minute": 50, "second": 57}
